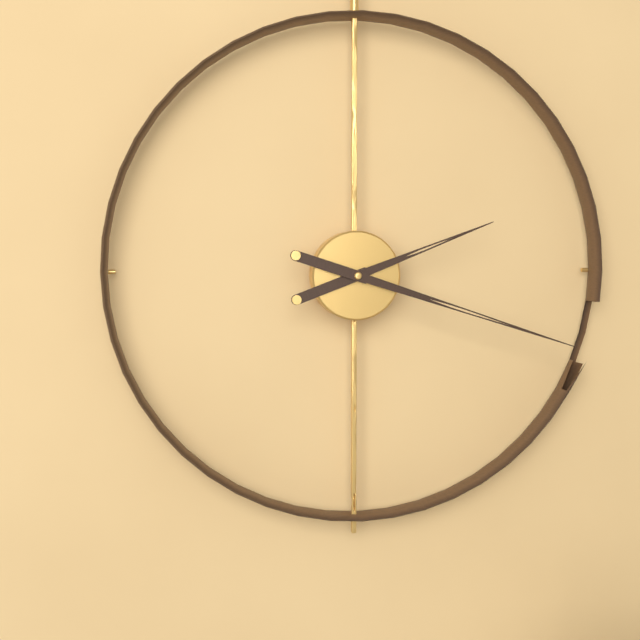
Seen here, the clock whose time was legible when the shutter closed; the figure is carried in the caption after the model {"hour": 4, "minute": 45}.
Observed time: {"hour": 2, "minute": 18}
